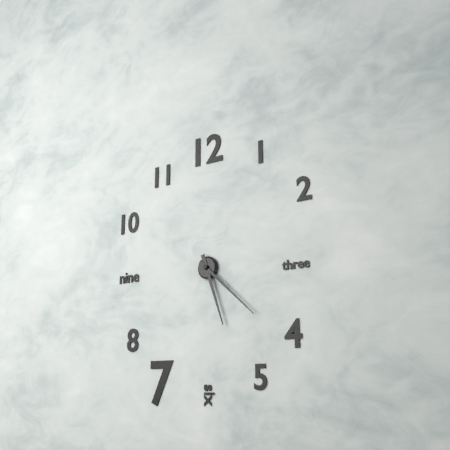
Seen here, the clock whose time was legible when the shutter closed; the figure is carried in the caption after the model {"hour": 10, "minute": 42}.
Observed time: {"hour": 5, "minute": 22}
